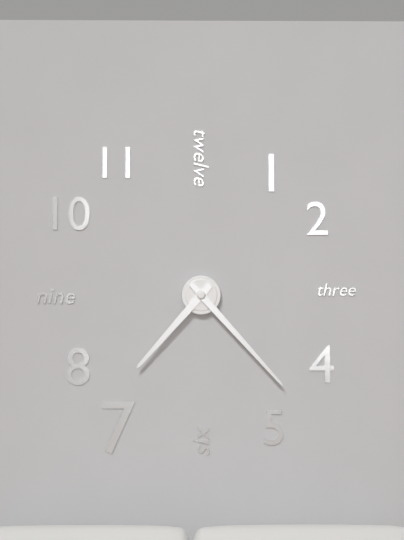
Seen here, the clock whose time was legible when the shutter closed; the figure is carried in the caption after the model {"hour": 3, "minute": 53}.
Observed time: {"hour": 7, "minute": 23}
